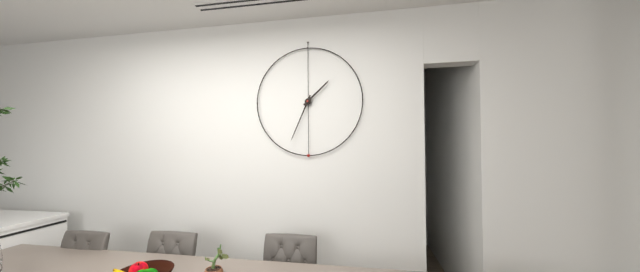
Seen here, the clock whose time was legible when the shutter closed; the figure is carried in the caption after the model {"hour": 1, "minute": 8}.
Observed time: {"hour": 1, "minute": 34}
